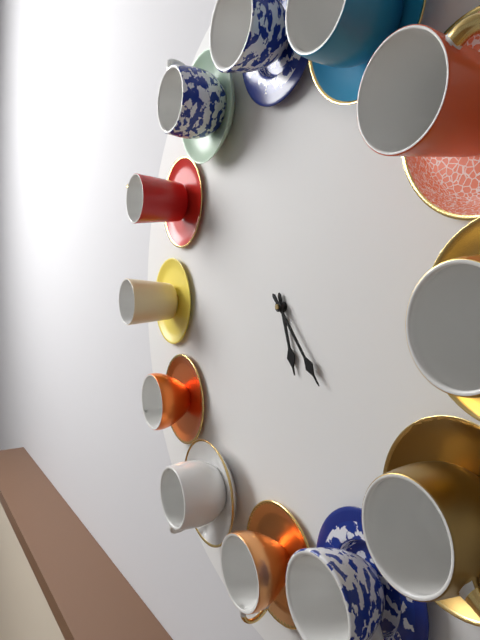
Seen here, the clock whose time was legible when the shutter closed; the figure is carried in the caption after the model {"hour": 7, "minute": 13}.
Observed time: {"hour": 5, "minute": 23}
